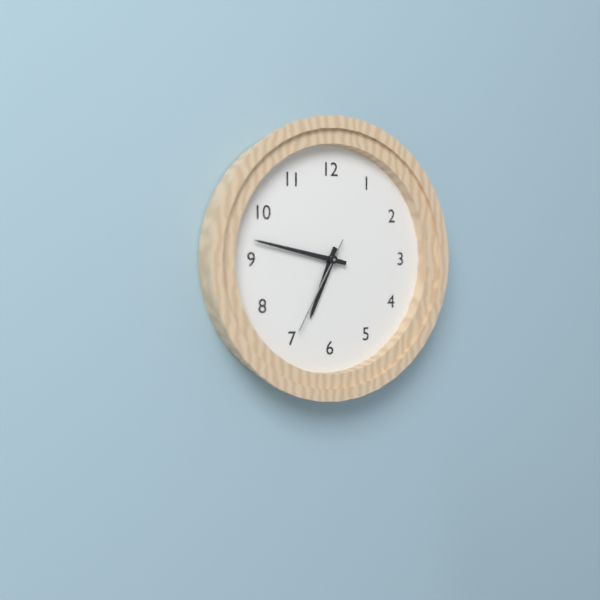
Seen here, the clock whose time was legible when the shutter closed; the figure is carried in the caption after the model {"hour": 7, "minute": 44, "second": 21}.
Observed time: {"hour": 6, "minute": 47, "second": 35}
